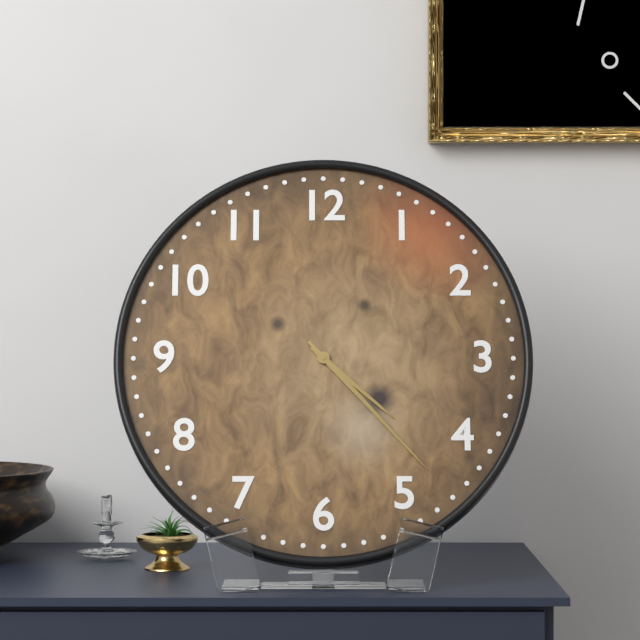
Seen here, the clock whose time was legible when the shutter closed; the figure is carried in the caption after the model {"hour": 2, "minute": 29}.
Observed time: {"hour": 4, "minute": 23}
